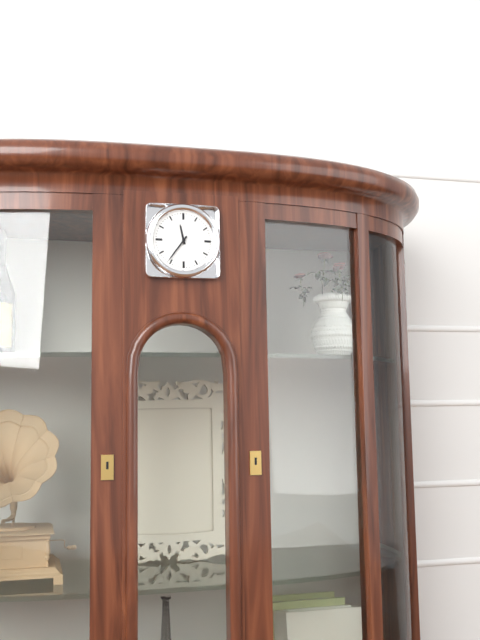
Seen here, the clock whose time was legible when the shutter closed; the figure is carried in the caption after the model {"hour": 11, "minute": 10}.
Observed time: {"hour": 11, "minute": 36}
